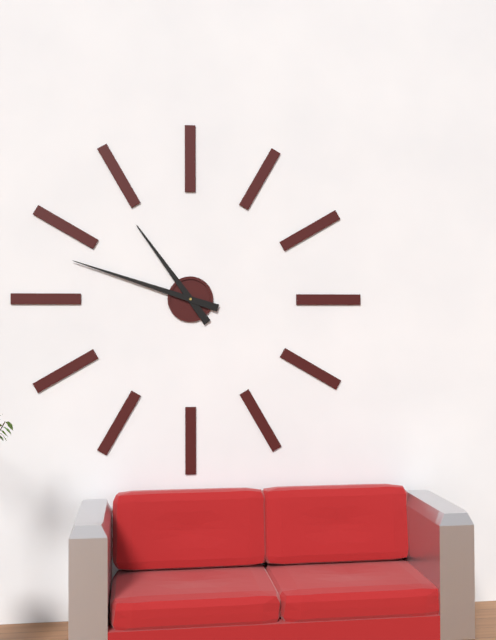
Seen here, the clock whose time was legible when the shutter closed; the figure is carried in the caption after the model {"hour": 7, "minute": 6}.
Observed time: {"hour": 10, "minute": 48}
